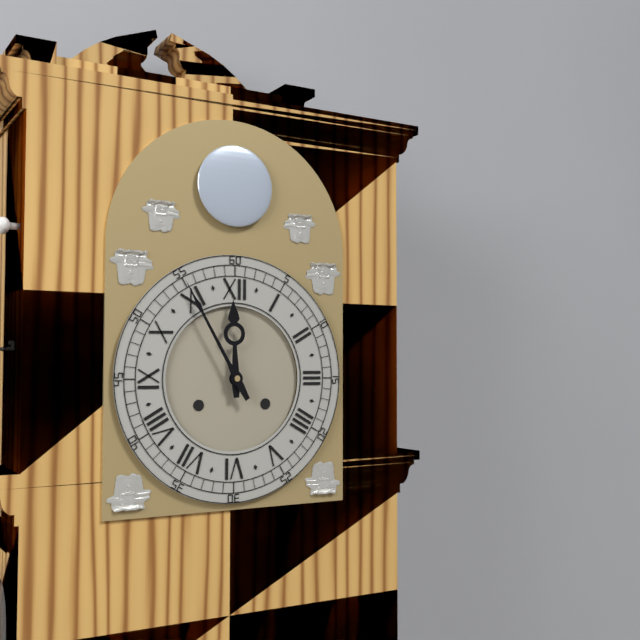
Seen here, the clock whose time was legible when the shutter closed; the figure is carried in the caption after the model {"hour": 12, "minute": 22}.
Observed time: {"hour": 11, "minute": 55}
